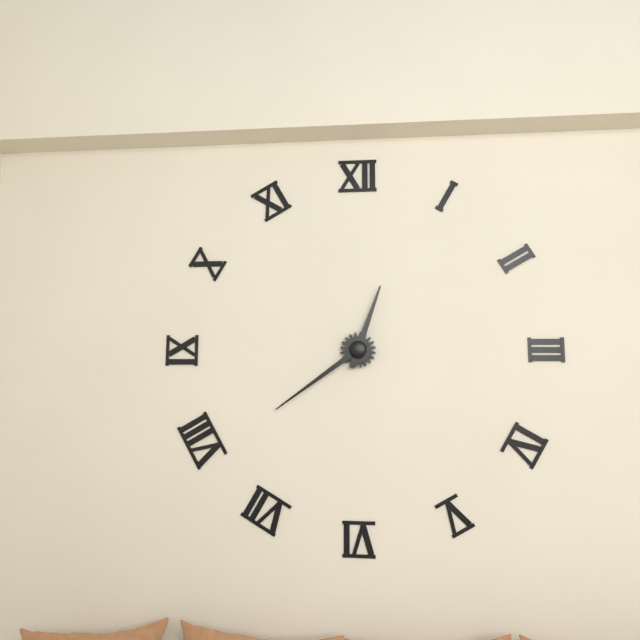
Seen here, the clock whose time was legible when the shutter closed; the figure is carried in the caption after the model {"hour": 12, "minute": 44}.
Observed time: {"hour": 12, "minute": 39}
